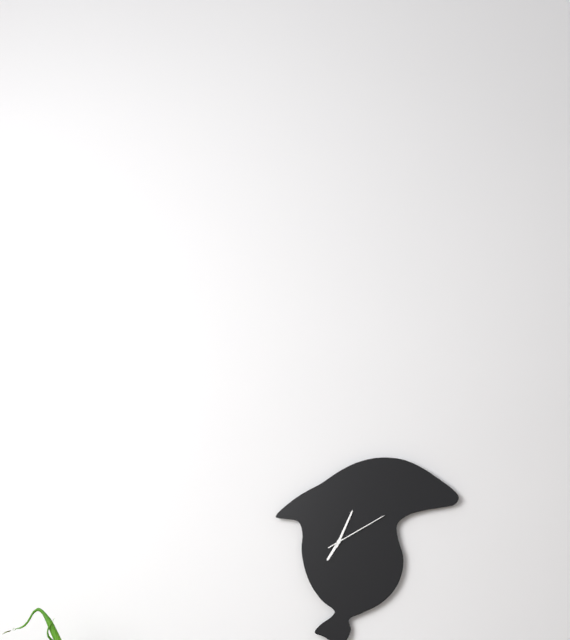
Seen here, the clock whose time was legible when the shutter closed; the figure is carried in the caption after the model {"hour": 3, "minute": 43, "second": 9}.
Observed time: {"hour": 7, "minute": 4, "second": 10}
